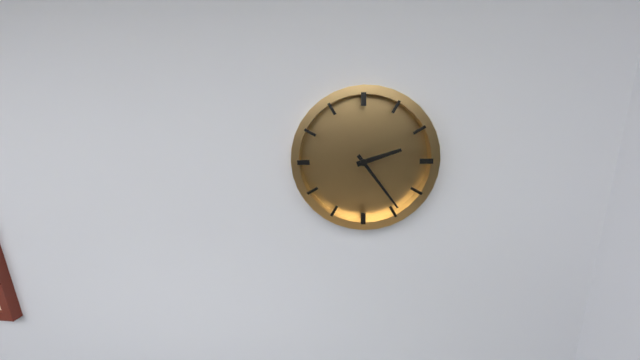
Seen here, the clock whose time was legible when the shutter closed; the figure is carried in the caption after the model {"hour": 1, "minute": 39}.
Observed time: {"hour": 2, "minute": 24}
